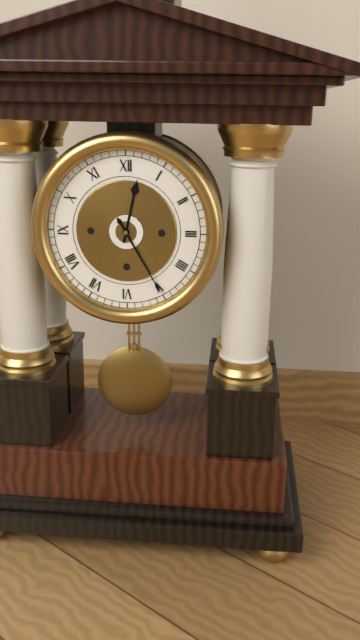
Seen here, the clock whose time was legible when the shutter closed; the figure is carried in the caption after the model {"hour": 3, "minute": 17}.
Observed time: {"hour": 12, "minute": 25}
